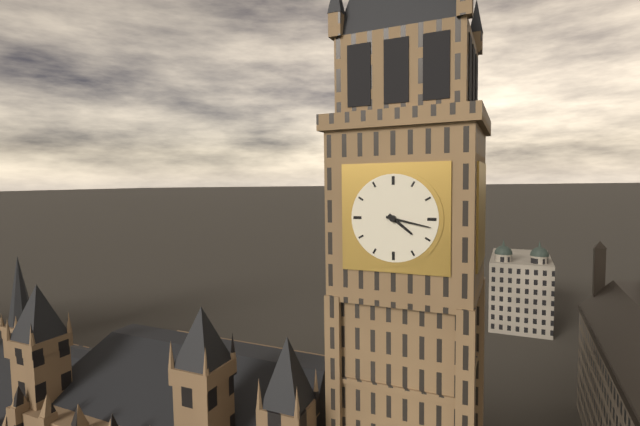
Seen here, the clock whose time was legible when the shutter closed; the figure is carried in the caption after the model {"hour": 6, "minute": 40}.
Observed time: {"hour": 4, "minute": 17}
